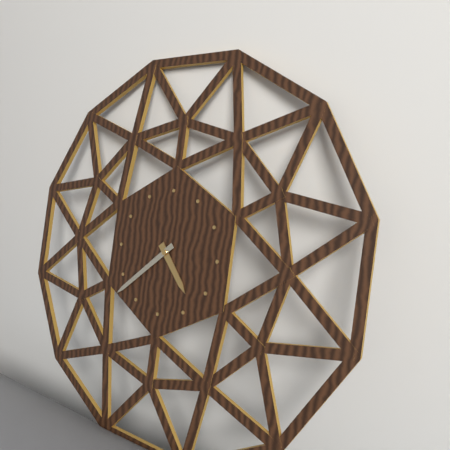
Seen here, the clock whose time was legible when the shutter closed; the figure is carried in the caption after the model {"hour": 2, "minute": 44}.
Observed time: {"hour": 4, "minute": 38}
